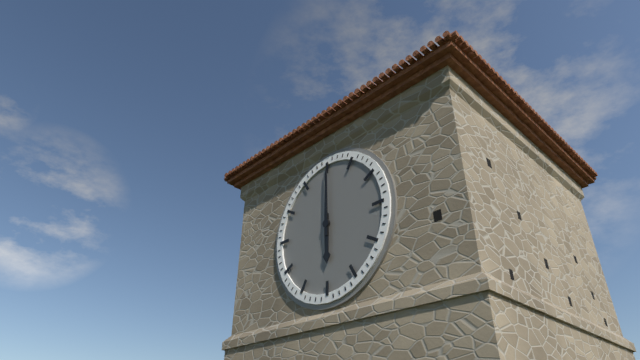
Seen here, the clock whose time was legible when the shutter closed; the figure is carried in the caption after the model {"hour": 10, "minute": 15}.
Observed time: {"hour": 6, "minute": 0}
